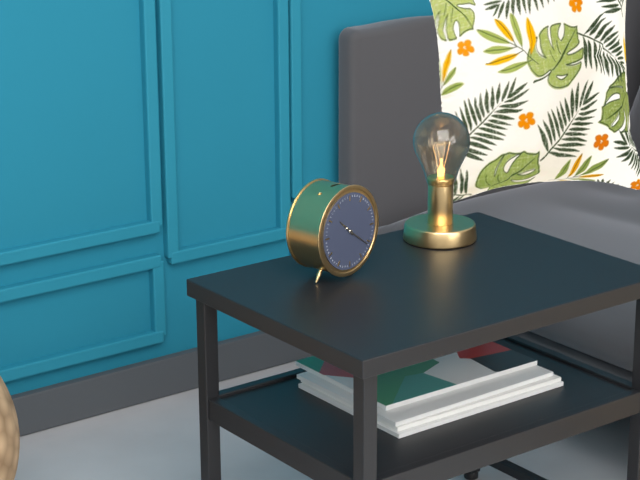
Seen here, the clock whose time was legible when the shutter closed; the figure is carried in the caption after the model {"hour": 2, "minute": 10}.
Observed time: {"hour": 10, "minute": 21}
